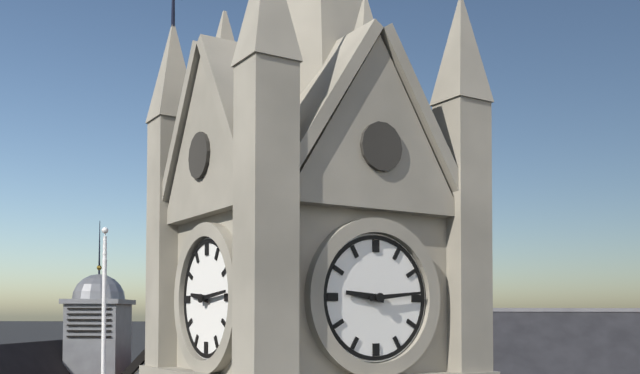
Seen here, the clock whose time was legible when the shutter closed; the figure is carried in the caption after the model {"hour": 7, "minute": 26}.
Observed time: {"hour": 9, "minute": 14}
